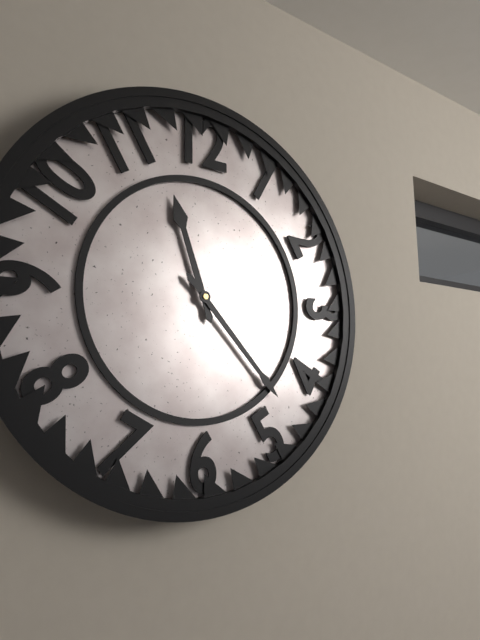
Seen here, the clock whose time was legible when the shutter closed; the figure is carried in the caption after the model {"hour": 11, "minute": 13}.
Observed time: {"hour": 11, "minute": 23}
